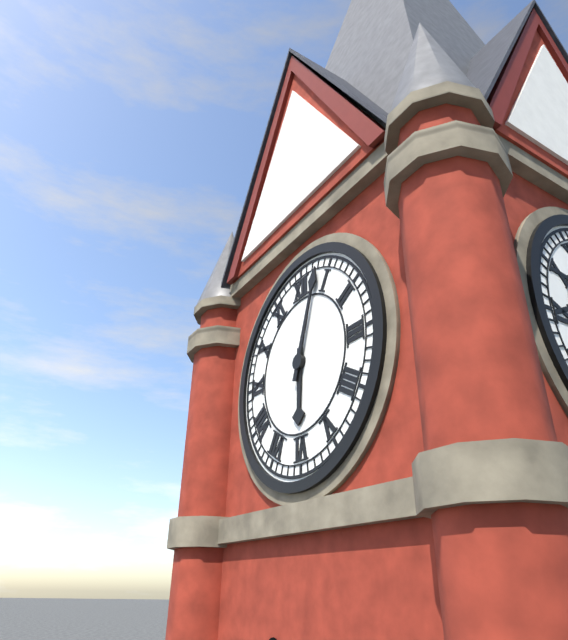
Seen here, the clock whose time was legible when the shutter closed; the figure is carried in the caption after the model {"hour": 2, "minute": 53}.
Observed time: {"hour": 6, "minute": 3}
